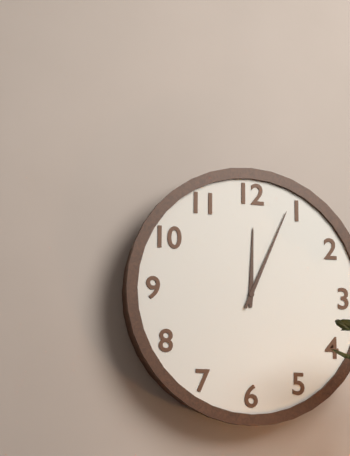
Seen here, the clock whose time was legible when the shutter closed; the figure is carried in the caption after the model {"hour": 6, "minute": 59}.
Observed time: {"hour": 12, "minute": 4}
